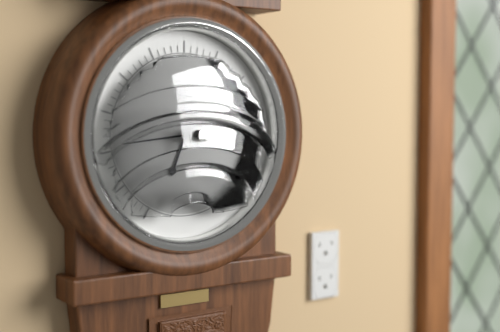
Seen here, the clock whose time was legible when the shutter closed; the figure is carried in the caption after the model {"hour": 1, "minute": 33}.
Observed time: {"hour": 6, "minute": 44}
